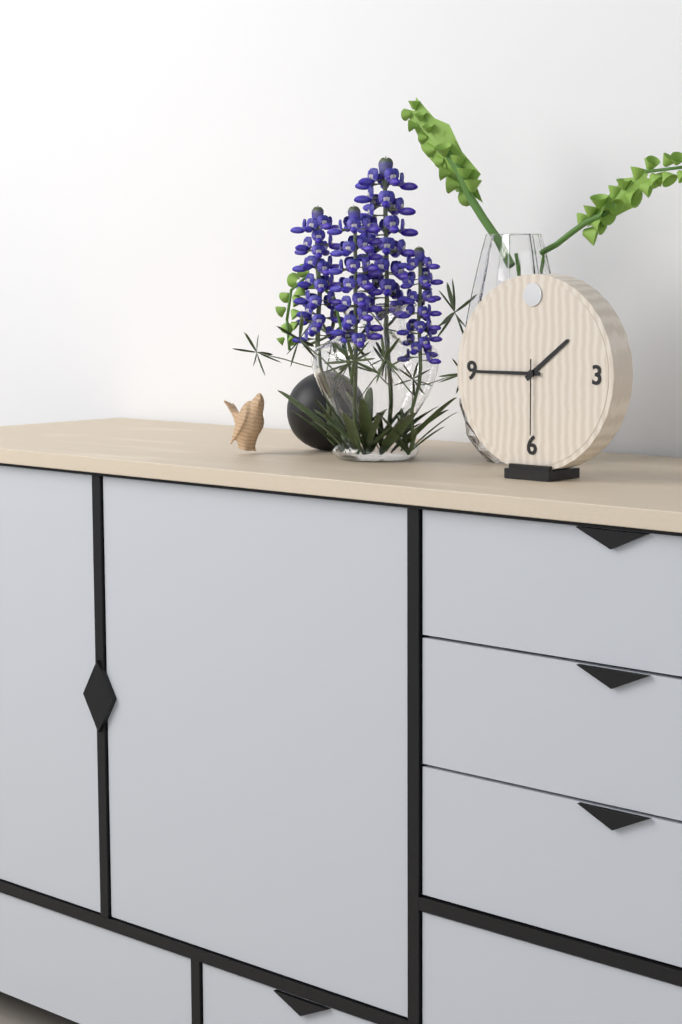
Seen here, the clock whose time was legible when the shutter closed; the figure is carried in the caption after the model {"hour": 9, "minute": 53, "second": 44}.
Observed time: {"hour": 1, "minute": 45, "second": 30}
